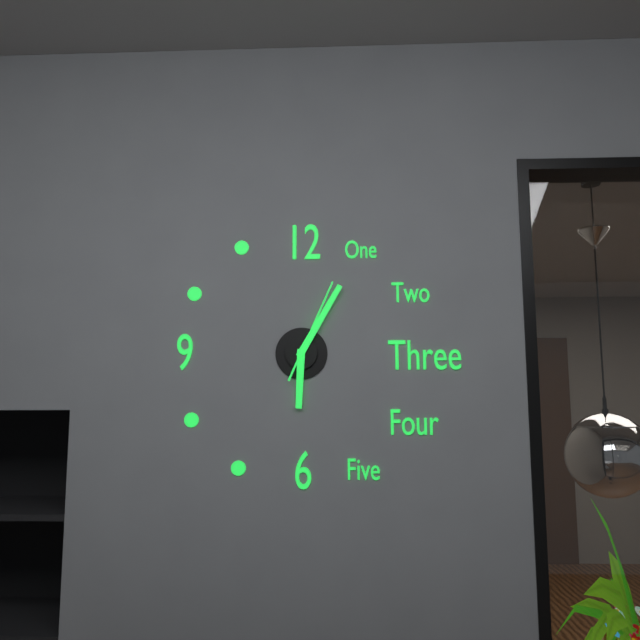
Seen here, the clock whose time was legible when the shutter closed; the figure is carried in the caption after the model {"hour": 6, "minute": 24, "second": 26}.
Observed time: {"hour": 6, "minute": 5, "second": 4}
